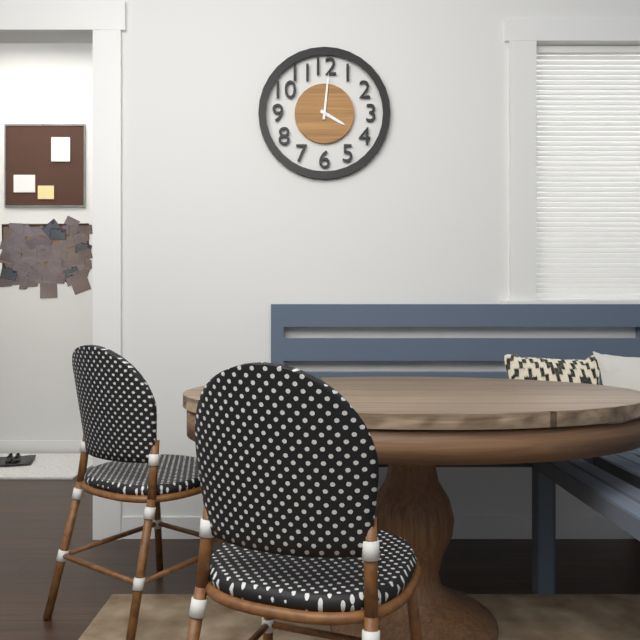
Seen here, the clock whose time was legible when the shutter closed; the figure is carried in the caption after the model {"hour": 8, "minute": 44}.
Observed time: {"hour": 4, "minute": 1}
